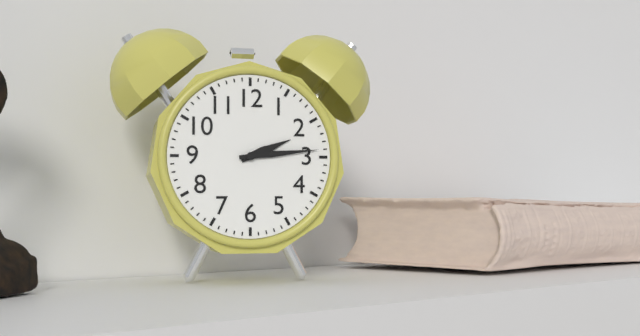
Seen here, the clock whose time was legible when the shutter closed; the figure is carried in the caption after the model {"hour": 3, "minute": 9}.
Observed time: {"hour": 2, "minute": 14}
